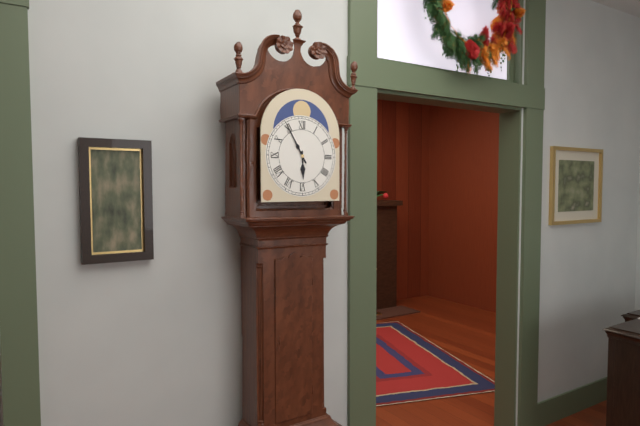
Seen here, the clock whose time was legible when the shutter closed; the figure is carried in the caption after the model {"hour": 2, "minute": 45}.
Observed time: {"hour": 5, "minute": 55}
